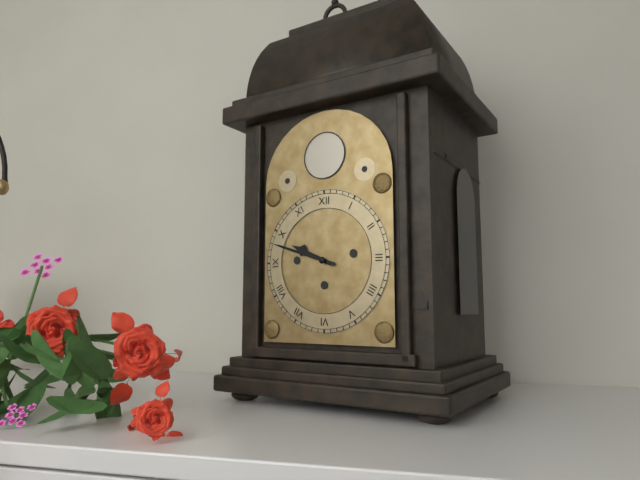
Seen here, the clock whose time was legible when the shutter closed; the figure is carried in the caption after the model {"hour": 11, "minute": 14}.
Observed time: {"hour": 9, "minute": 48}
